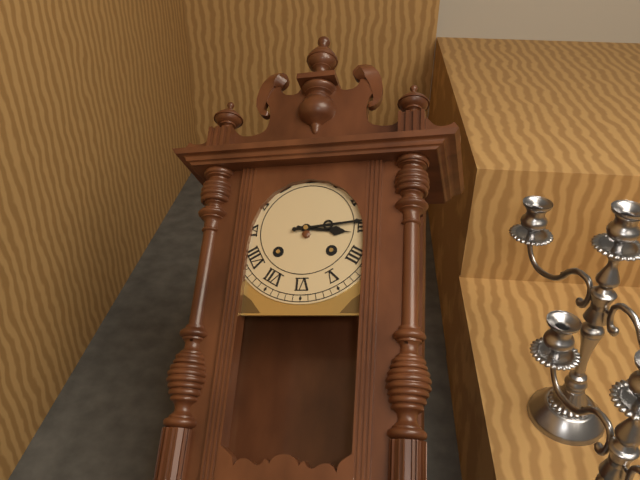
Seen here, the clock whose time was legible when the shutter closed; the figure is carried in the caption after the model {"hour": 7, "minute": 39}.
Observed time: {"hour": 3, "minute": 14}
